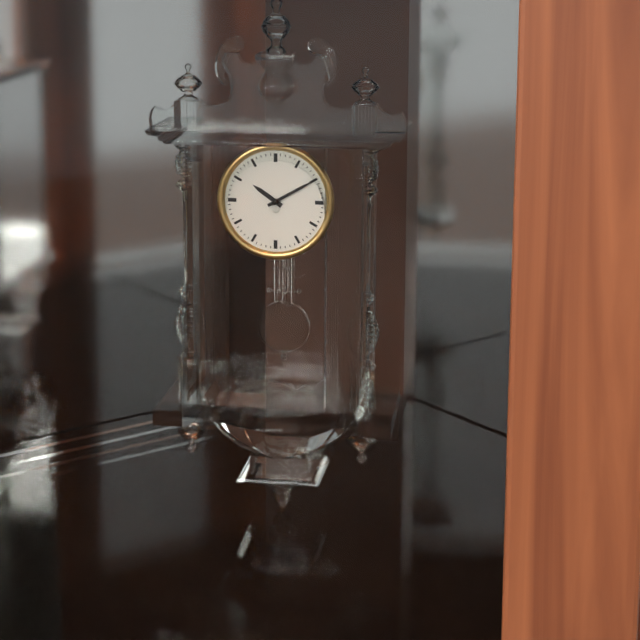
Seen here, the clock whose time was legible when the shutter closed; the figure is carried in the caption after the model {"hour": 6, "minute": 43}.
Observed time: {"hour": 10, "minute": 10}
